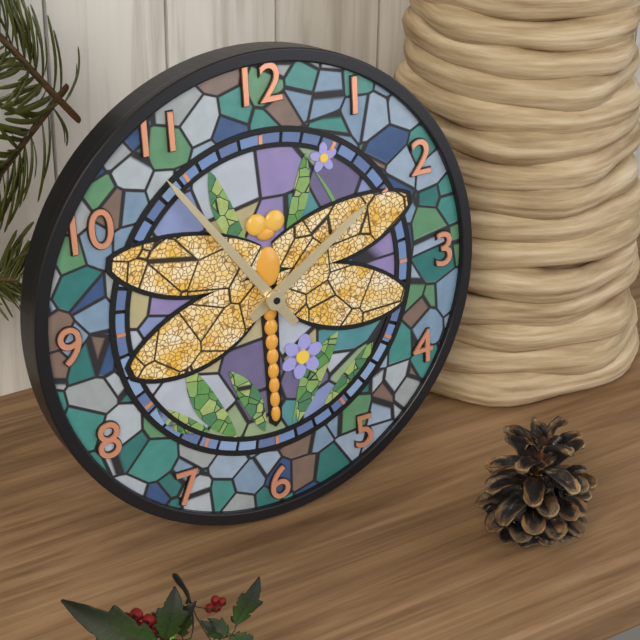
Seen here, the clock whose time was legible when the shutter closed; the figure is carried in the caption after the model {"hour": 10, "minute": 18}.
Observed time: {"hour": 1, "minute": 54}
